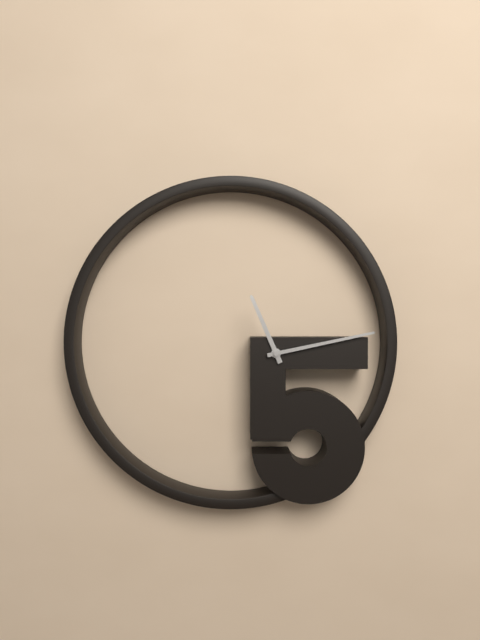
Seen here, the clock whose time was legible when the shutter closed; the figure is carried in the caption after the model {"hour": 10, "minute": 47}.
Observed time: {"hour": 11, "minute": 13}
